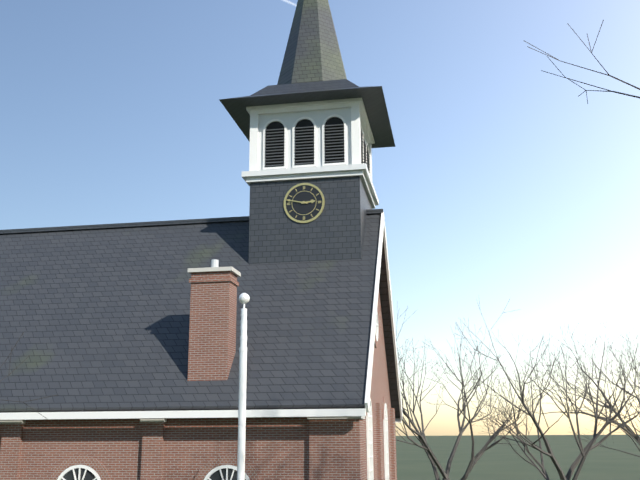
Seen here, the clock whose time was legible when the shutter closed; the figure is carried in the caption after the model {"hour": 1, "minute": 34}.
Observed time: {"hour": 2, "minute": 47}
